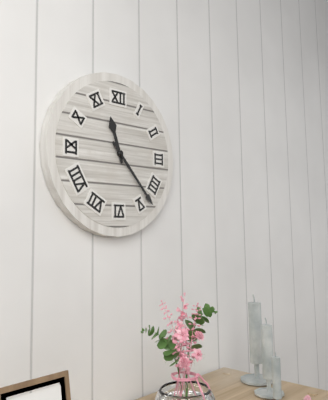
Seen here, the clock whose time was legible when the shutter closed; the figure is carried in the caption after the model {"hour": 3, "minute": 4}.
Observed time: {"hour": 11, "minute": 23}
